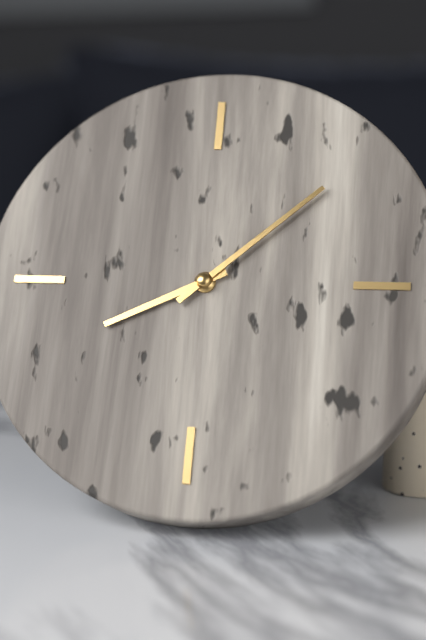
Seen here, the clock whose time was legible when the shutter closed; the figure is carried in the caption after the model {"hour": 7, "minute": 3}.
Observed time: {"hour": 8, "minute": 8}
